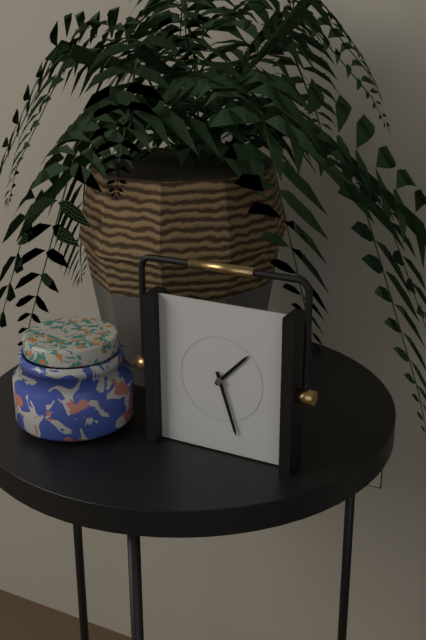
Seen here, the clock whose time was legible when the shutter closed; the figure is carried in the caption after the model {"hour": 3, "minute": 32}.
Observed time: {"hour": 1, "minute": 27}
